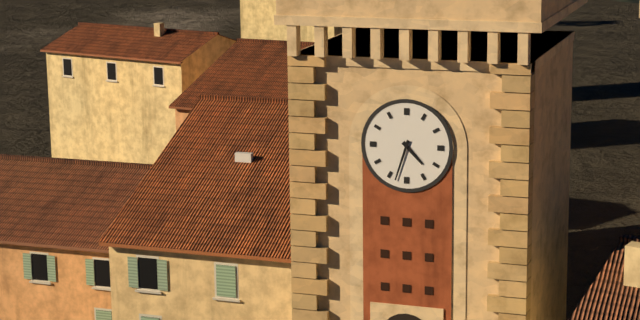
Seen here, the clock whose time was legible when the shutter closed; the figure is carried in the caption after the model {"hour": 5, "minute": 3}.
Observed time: {"hour": 4, "minute": 33}
